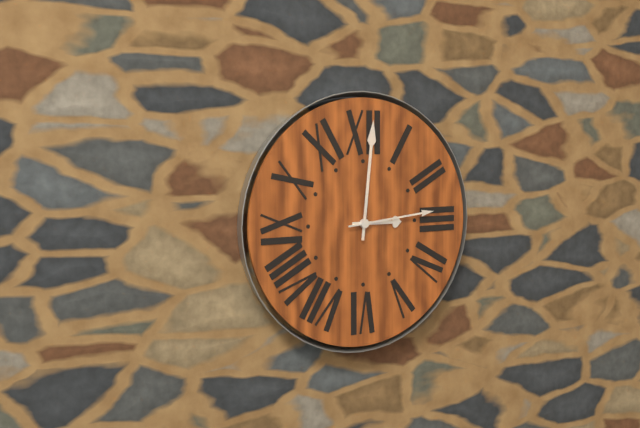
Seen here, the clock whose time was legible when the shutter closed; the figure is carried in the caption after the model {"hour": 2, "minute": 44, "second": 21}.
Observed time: {"hour": 3, "minute": 1, "second": 14}
